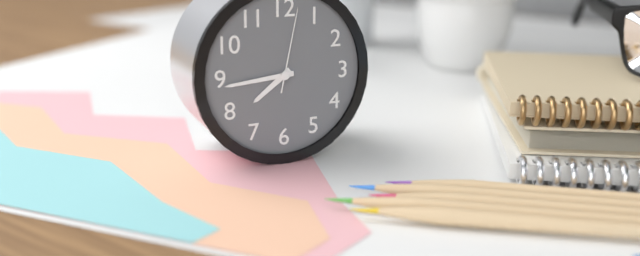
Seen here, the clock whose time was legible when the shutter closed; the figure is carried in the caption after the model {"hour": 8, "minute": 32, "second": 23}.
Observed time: {"hour": 7, "minute": 44, "second": 2}
